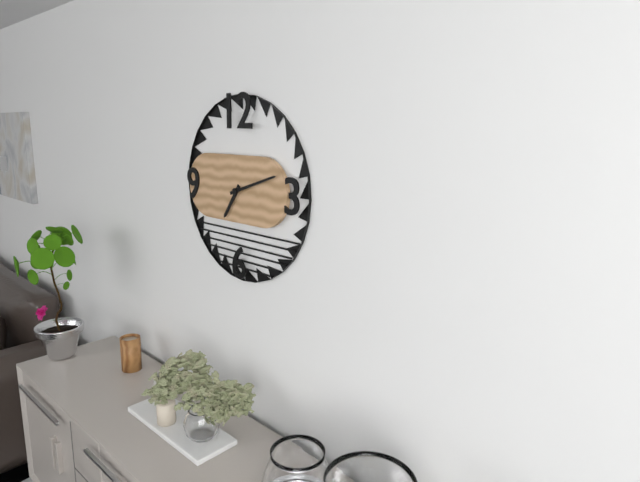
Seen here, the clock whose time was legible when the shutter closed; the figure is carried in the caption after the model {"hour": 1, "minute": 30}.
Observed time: {"hour": 7, "minute": 12}
